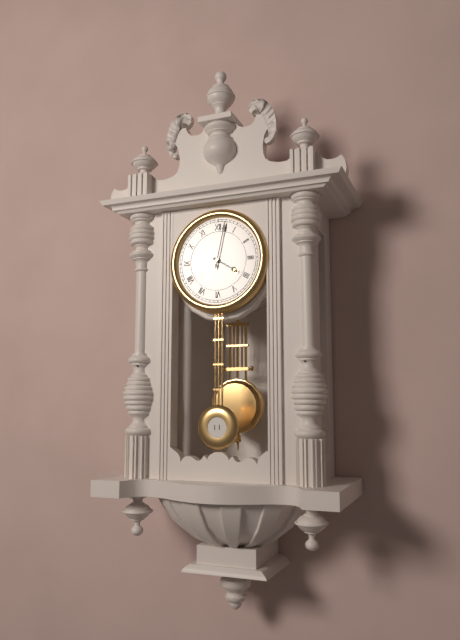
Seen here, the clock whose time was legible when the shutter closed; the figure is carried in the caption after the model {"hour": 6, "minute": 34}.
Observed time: {"hour": 4, "minute": 2}
